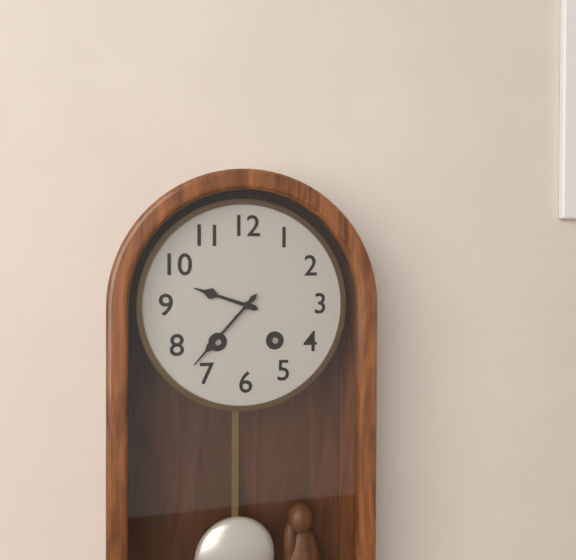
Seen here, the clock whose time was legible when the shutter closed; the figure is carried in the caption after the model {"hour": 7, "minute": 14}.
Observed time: {"hour": 9, "minute": 37}
